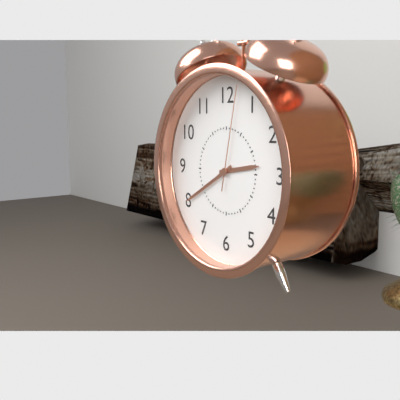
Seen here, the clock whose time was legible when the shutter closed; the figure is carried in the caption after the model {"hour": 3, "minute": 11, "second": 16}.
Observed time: {"hour": 2, "minute": 40, "second": 2}
